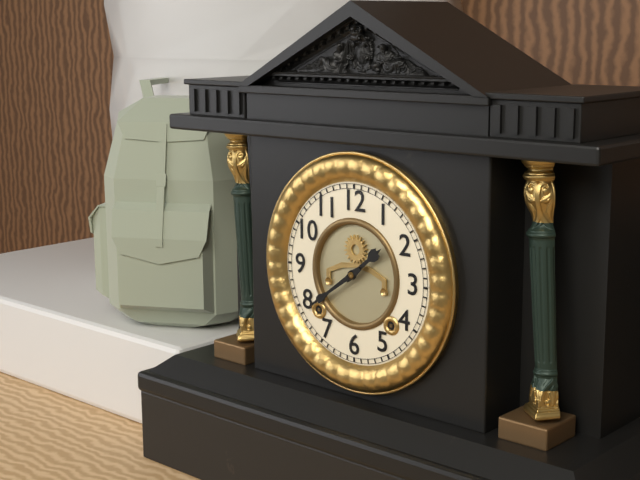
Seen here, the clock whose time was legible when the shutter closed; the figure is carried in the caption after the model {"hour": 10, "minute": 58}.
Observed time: {"hour": 1, "minute": 39}
